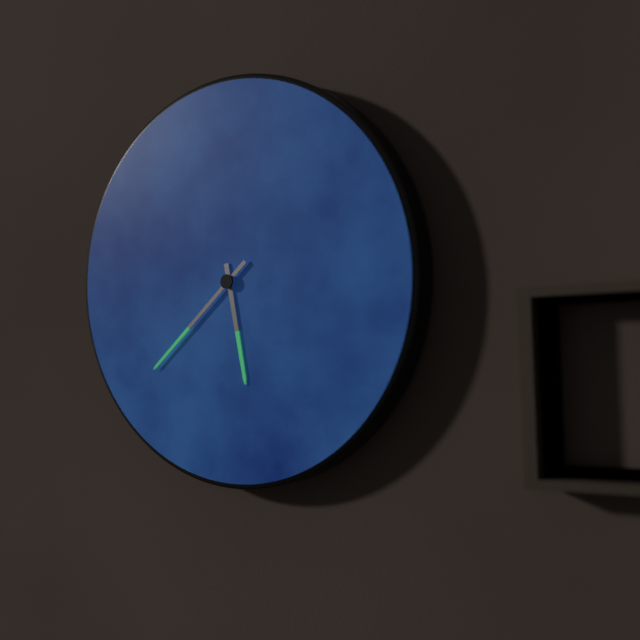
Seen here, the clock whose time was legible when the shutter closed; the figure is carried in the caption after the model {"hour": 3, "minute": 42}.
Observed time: {"hour": 5, "minute": 38}
